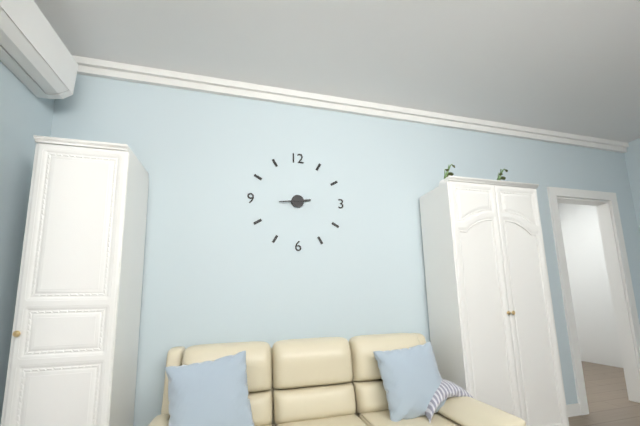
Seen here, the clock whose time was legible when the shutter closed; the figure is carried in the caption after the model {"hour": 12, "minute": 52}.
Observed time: {"hour": 2, "minute": 44}
